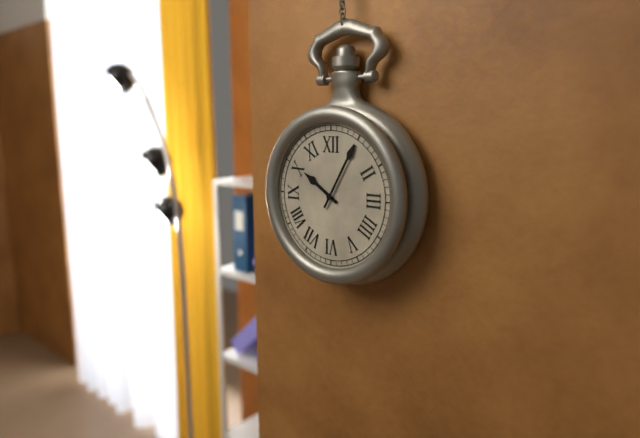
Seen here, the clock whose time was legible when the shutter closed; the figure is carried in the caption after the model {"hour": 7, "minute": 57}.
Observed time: {"hour": 10, "minute": 5}
